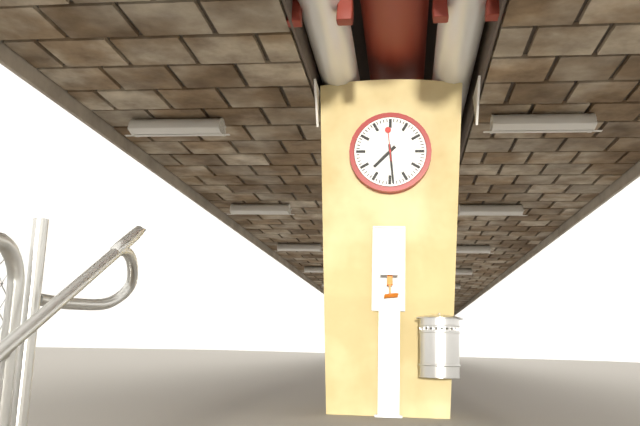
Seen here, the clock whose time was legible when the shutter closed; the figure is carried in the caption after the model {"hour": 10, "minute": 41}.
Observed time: {"hour": 7, "minute": 29}
